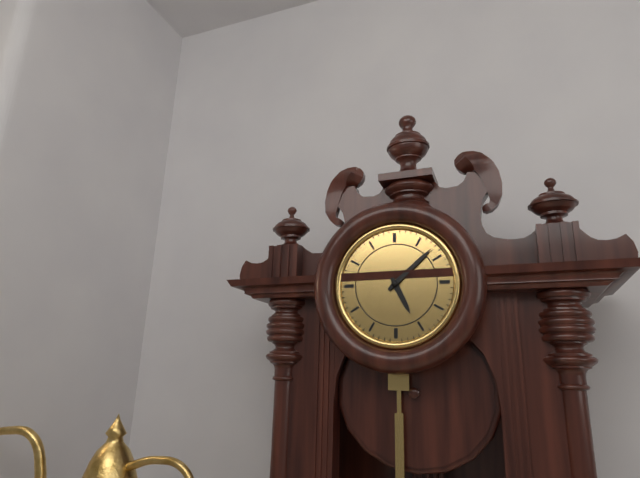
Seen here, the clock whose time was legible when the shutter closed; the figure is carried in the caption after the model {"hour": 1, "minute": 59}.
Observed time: {"hour": 5, "minute": 8}
